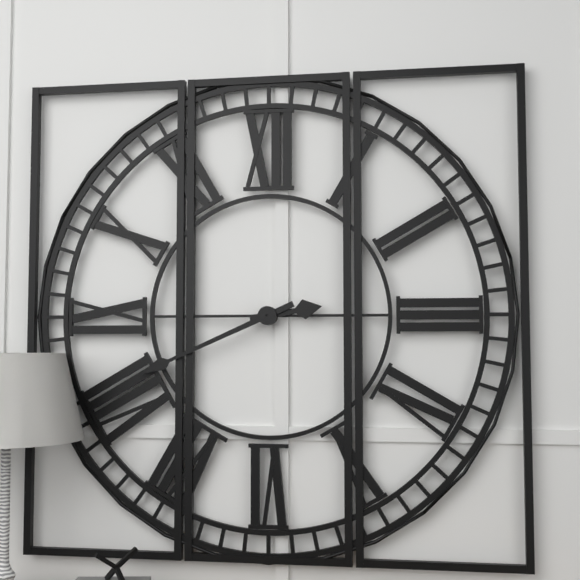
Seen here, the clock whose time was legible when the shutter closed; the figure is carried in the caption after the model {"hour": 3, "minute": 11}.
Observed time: {"hour": 2, "minute": 41}
